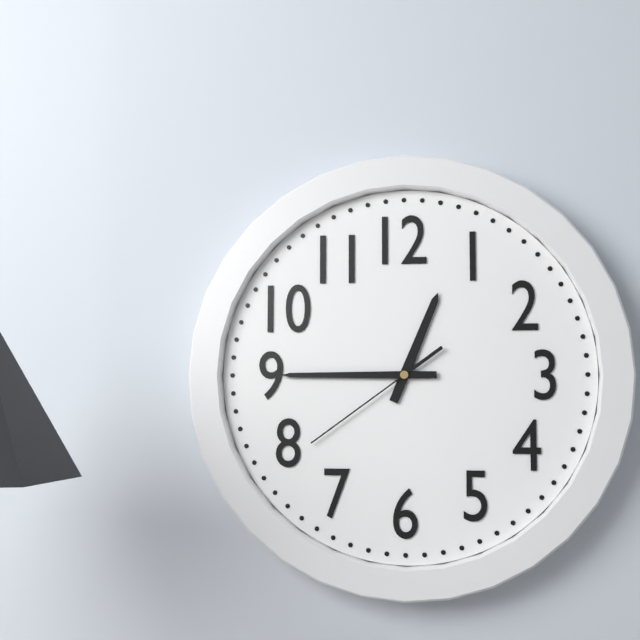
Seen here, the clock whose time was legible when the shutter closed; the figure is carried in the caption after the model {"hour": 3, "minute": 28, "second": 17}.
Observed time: {"hour": 12, "minute": 45, "second": 39}
